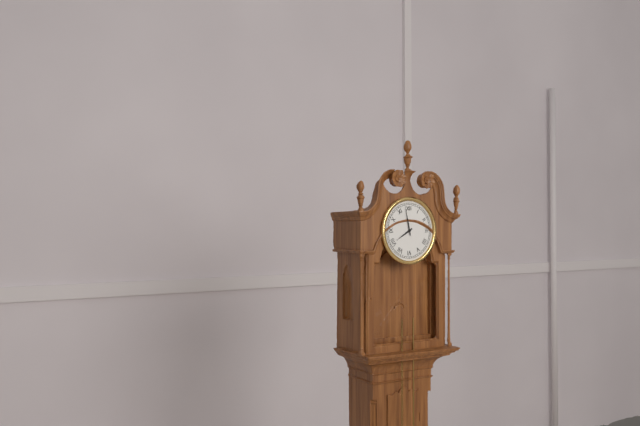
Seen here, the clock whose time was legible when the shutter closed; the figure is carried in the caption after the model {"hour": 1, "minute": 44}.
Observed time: {"hour": 7, "minute": 58}
